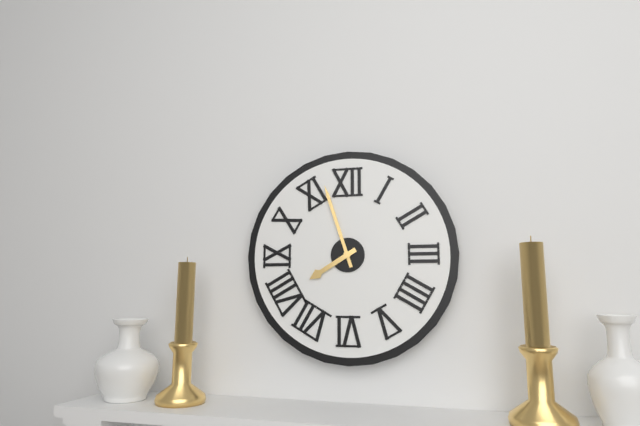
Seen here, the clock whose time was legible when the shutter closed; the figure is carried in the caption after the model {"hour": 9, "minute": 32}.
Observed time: {"hour": 7, "minute": 57}
